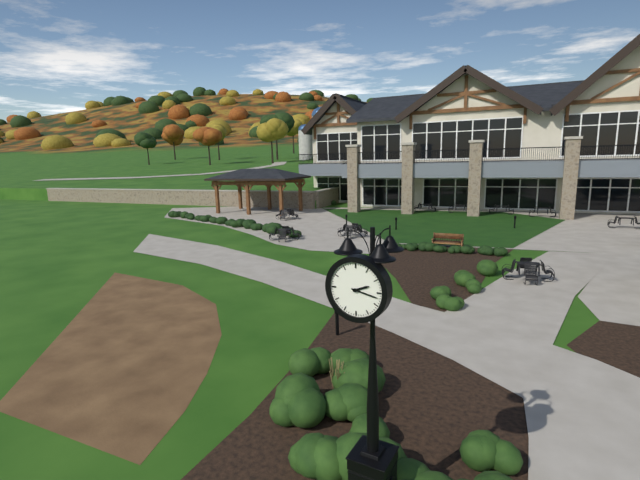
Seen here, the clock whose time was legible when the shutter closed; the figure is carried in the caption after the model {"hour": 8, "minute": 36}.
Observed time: {"hour": 2, "minute": 17}
